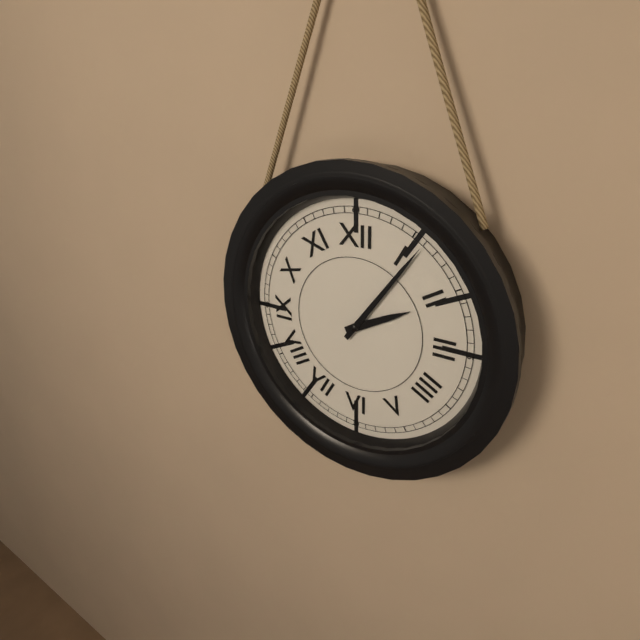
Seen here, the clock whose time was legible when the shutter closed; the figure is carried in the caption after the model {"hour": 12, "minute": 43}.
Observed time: {"hour": 2, "minute": 6}
